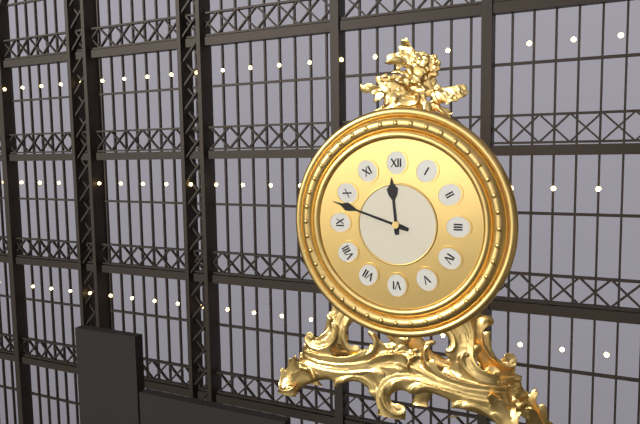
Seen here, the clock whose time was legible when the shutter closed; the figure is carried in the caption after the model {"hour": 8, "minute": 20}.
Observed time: {"hour": 11, "minute": 48}
